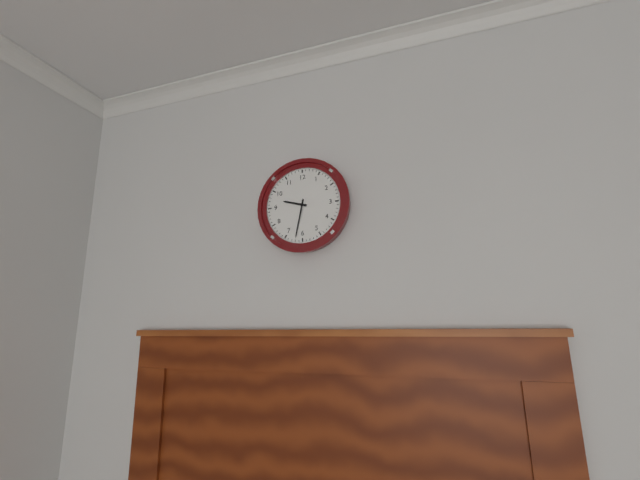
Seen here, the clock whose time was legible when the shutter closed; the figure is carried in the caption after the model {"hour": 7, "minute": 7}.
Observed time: {"hour": 9, "minute": 32}
